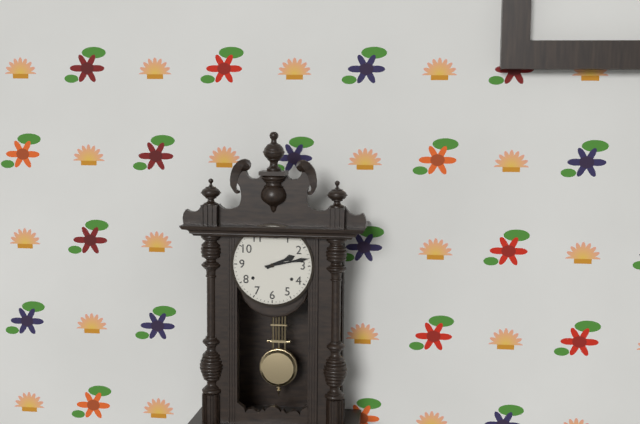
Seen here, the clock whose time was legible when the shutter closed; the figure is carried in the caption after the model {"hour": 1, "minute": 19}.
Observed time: {"hour": 2, "minute": 13}
